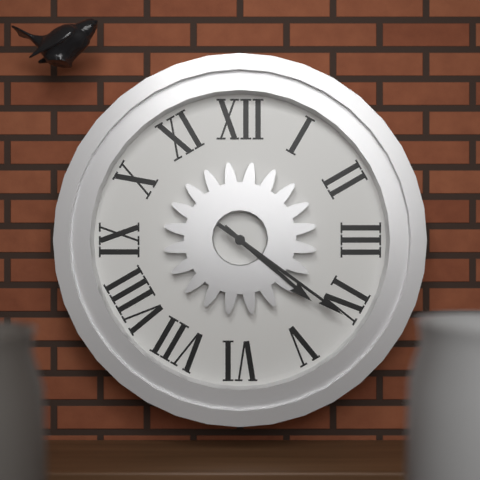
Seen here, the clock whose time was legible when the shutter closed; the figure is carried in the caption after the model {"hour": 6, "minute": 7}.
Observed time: {"hour": 4, "minute": 21}
